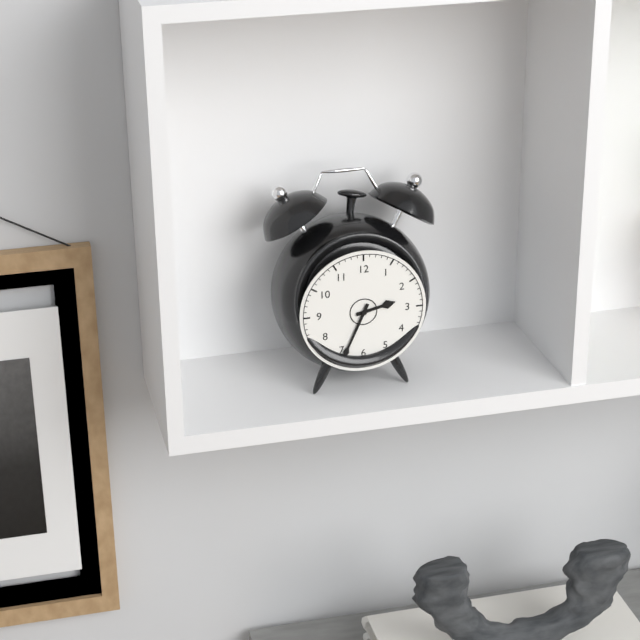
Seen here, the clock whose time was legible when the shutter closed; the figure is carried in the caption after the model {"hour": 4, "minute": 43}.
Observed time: {"hour": 2, "minute": 34}
